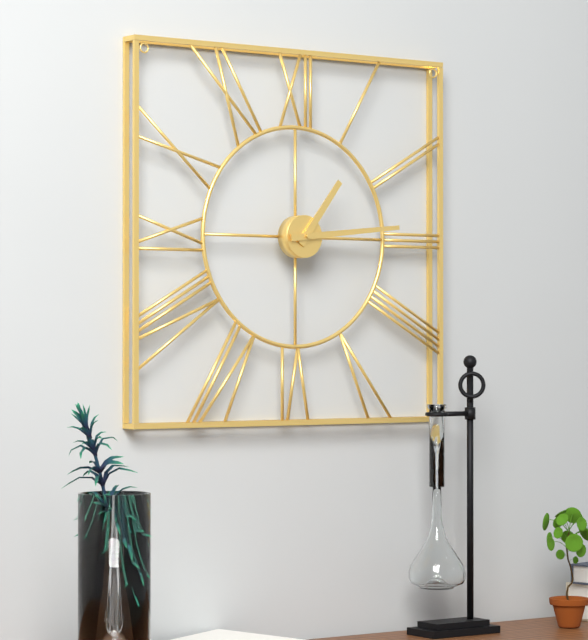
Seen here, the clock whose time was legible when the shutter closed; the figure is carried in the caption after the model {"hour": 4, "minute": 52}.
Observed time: {"hour": 1, "minute": 14}
